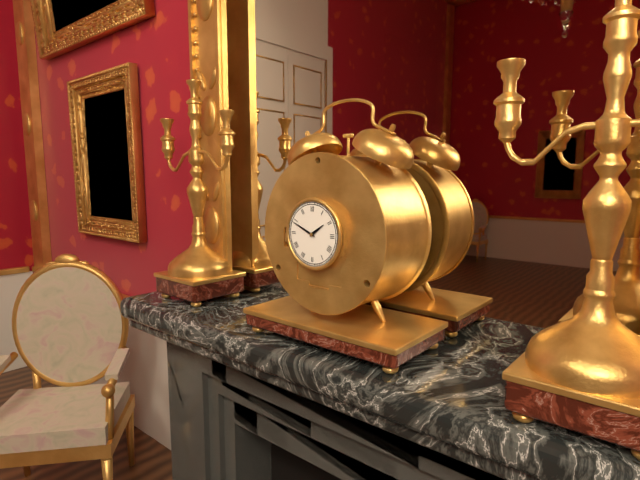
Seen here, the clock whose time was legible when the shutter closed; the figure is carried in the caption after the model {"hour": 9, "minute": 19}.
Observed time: {"hour": 1, "minute": 49}
